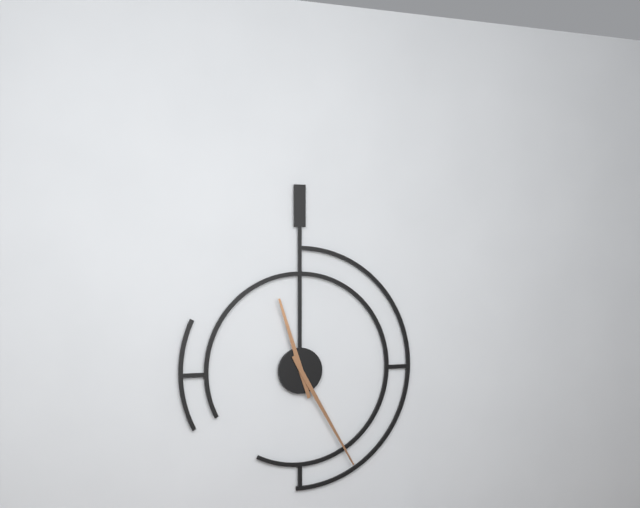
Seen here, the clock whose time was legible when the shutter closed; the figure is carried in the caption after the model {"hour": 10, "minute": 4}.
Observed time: {"hour": 11, "minute": 25}
